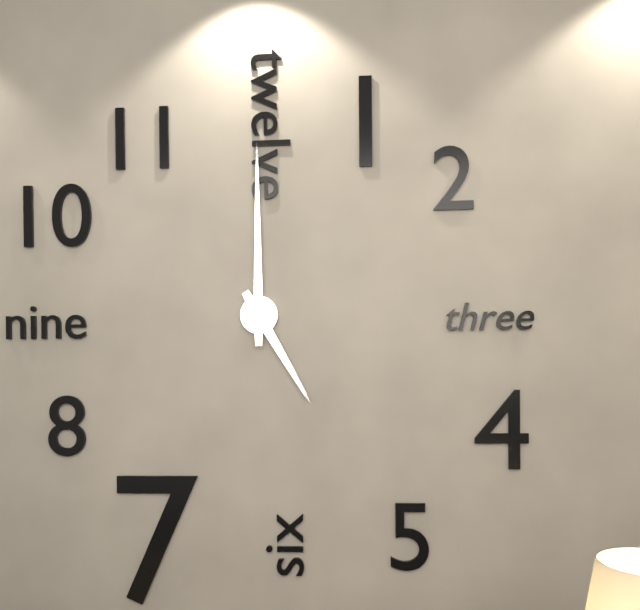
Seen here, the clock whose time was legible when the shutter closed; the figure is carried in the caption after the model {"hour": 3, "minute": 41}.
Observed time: {"hour": 5, "minute": 0}
